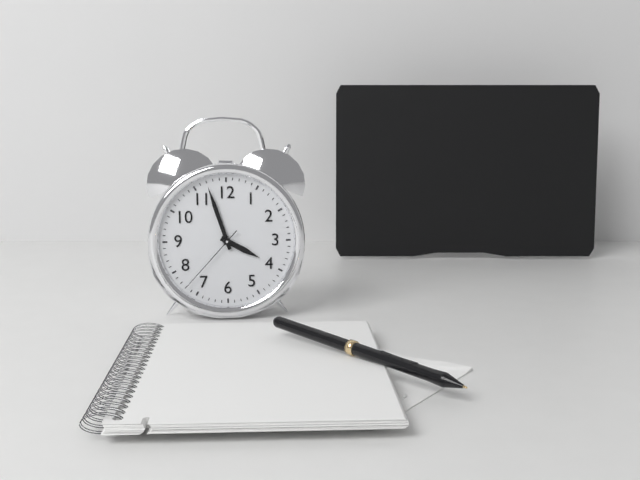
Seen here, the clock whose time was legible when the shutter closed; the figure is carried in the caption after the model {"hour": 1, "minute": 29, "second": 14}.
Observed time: {"hour": 3, "minute": 57, "second": 37}
